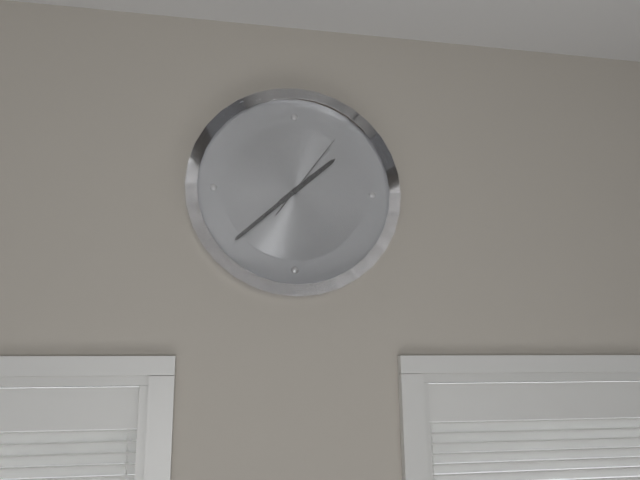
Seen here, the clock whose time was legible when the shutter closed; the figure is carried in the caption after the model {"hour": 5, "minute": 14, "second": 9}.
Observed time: {"hour": 1, "minute": 38, "second": 6}
